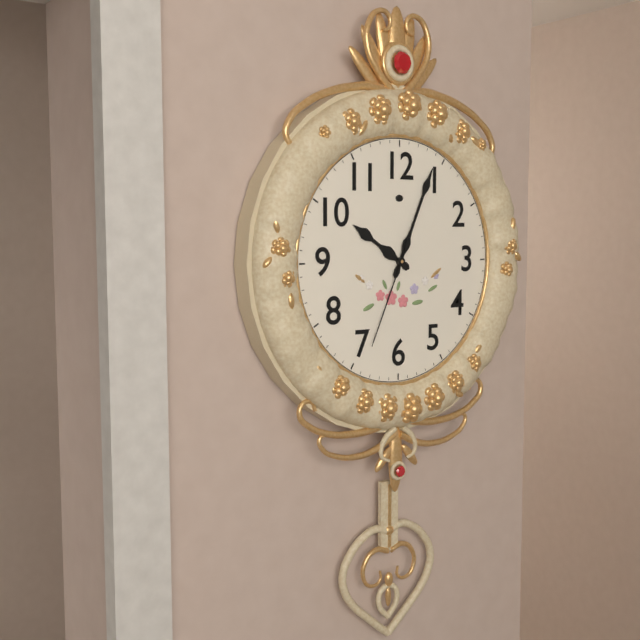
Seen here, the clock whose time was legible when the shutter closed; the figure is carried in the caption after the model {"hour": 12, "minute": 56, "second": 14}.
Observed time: {"hour": 10, "minute": 4, "second": 34}
